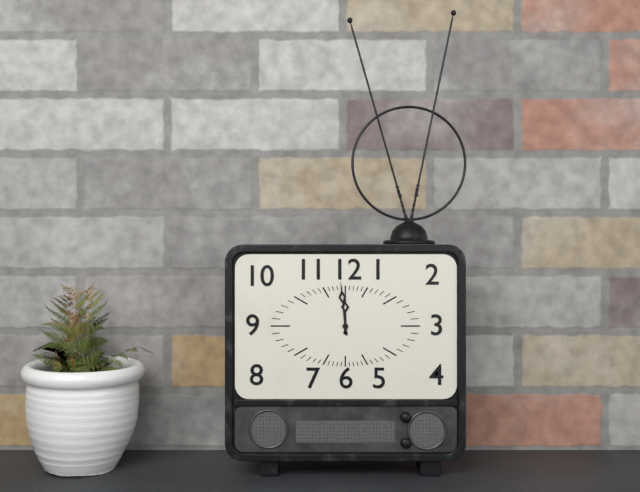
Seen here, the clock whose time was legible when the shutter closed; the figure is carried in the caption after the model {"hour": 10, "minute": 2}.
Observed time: {"hour": 11, "minute": 59}
